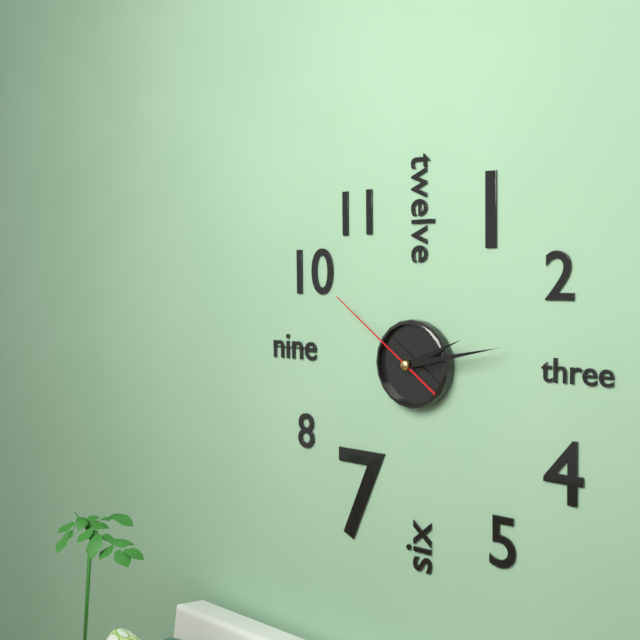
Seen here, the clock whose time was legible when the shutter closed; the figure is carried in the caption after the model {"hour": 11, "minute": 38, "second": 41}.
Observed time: {"hour": 2, "minute": 13, "second": 51}
